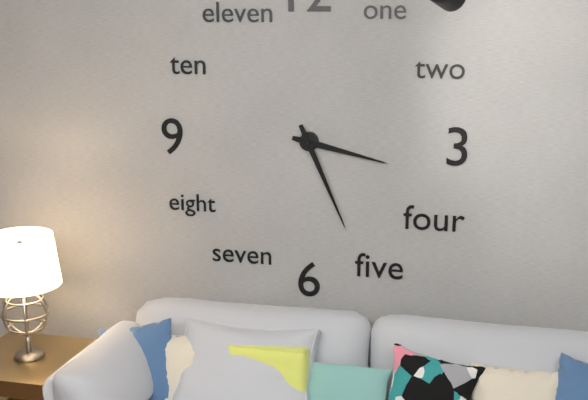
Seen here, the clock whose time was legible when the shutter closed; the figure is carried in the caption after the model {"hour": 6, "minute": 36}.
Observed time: {"hour": 3, "minute": 26}
